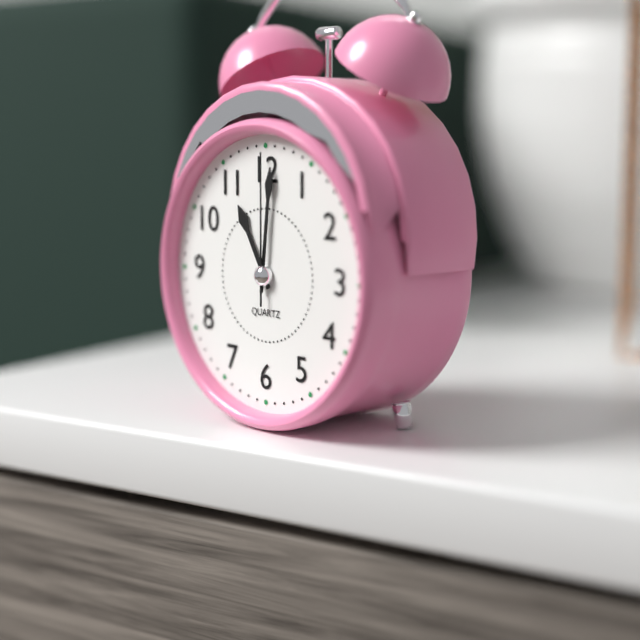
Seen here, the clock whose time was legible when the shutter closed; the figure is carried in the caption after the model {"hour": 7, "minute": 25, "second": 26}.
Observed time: {"hour": 11, "minute": 1, "second": 0}
